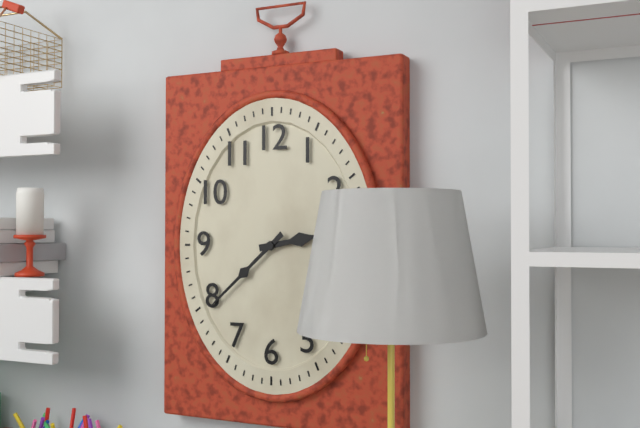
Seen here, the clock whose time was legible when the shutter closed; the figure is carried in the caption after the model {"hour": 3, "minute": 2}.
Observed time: {"hour": 2, "minute": 38}
